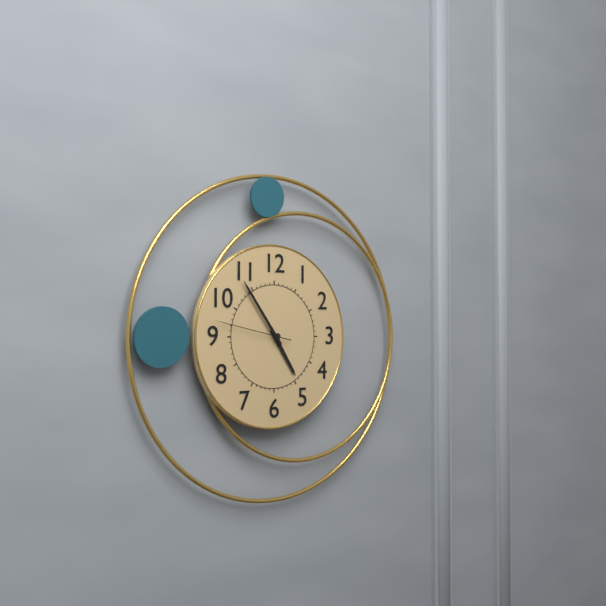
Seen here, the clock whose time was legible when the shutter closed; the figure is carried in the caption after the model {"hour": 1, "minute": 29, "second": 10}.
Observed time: {"hour": 4, "minute": 54, "second": 47}
